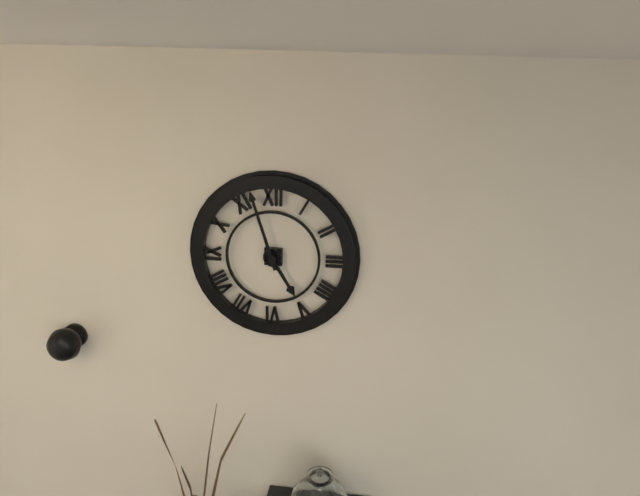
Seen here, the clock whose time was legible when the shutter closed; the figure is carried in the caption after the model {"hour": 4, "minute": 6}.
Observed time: {"hour": 4, "minute": 57}
